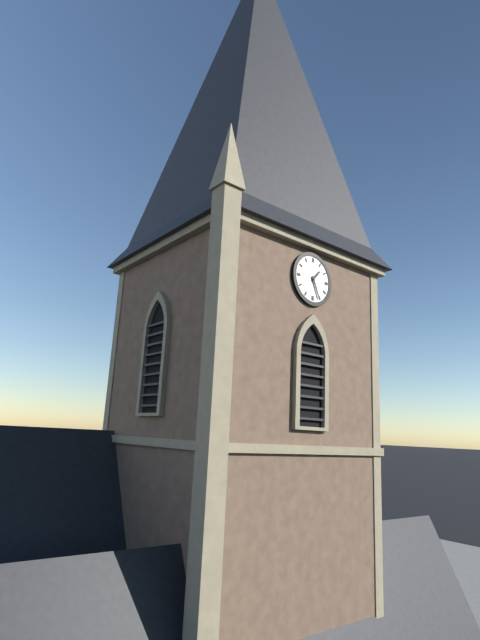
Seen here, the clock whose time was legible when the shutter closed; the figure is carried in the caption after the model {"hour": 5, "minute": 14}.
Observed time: {"hour": 1, "minute": 26}
